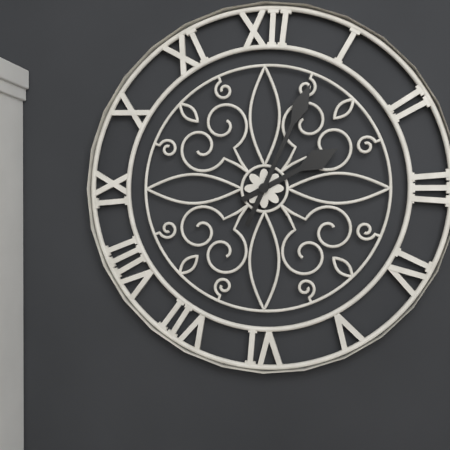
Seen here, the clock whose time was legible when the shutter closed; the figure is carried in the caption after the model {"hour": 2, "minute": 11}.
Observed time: {"hour": 2, "minute": 4}
